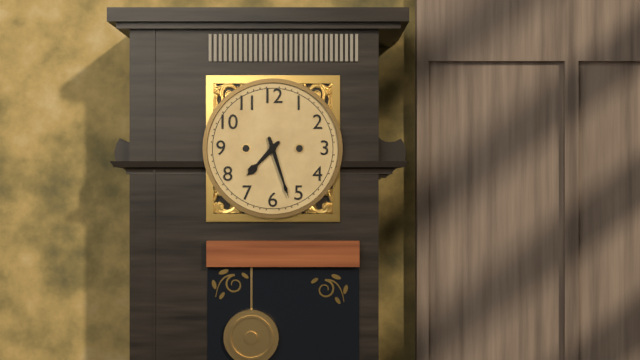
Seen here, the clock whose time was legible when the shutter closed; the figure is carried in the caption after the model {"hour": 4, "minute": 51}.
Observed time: {"hour": 7, "minute": 27}
